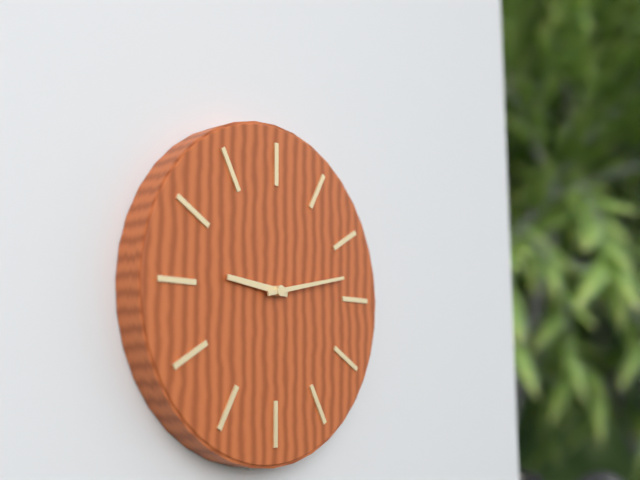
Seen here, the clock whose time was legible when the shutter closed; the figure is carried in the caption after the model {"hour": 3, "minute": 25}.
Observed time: {"hour": 9, "minute": 13}
